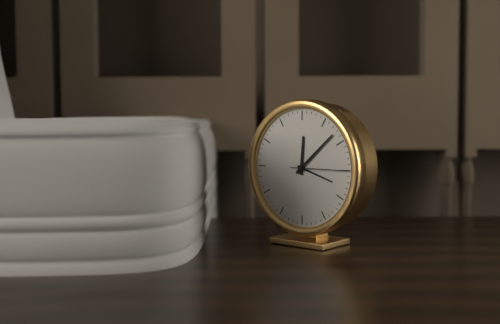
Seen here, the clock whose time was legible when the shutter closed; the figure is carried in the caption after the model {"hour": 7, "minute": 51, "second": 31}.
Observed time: {"hour": 12, "minute": 8, "second": 15}
